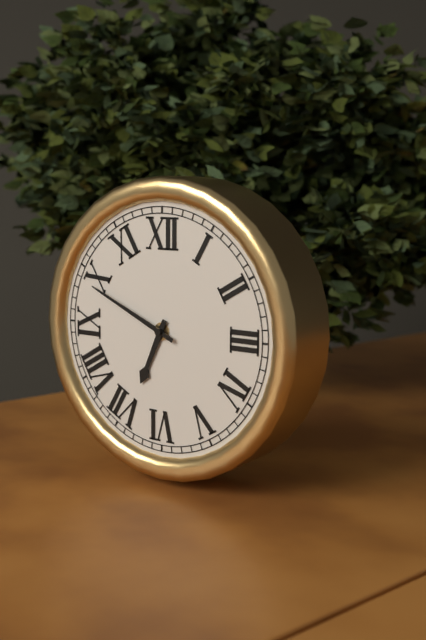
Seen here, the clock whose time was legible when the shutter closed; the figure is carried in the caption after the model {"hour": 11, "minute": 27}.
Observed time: {"hour": 6, "minute": 49}
